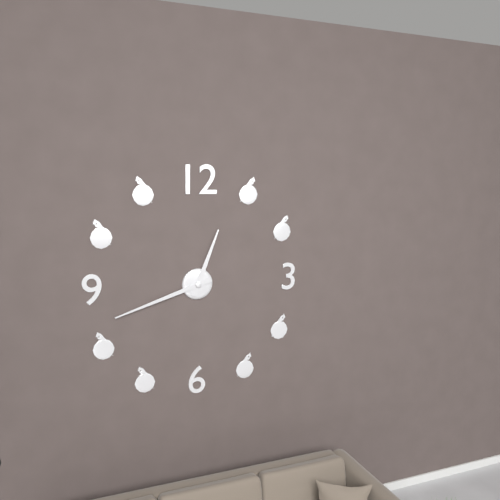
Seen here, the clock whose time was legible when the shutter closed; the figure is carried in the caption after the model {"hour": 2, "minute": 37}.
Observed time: {"hour": 12, "minute": 42}
